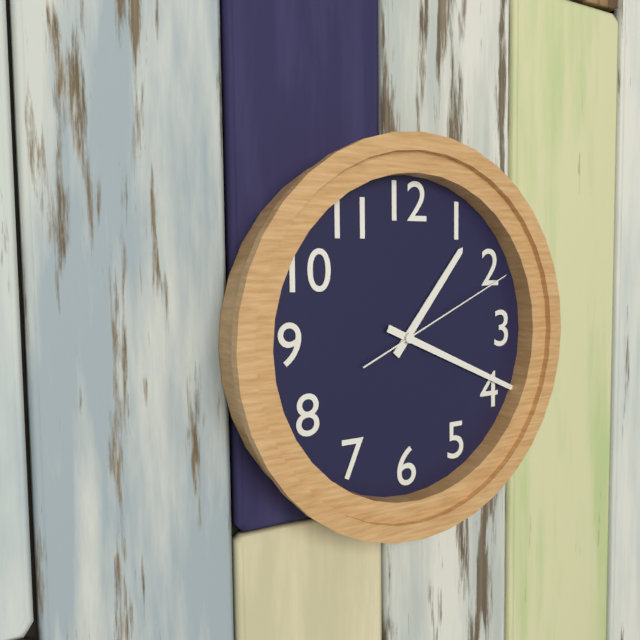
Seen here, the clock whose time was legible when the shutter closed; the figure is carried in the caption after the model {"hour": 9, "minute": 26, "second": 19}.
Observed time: {"hour": 1, "minute": 19, "second": 11}
